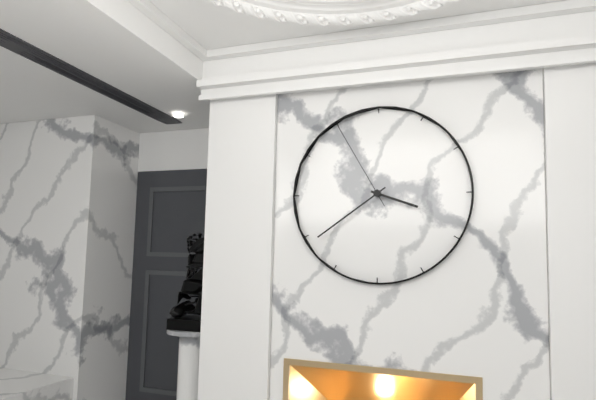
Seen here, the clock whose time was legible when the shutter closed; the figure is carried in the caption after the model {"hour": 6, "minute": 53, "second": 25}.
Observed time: {"hour": 3, "minute": 39, "second": 55}
